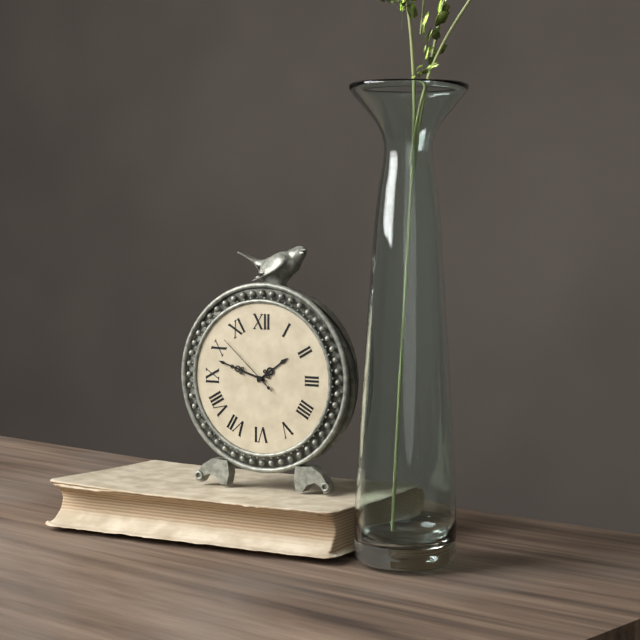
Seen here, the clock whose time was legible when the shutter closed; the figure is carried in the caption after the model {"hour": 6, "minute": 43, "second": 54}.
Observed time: {"hour": 1, "minute": 48, "second": 52}
